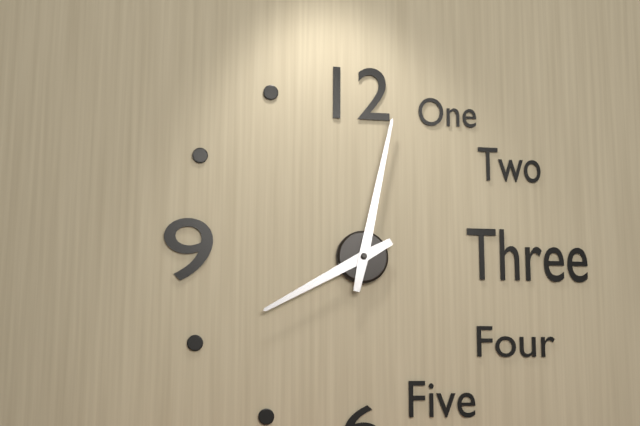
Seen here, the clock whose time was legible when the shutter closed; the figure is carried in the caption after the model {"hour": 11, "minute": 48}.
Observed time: {"hour": 8, "minute": 2}
